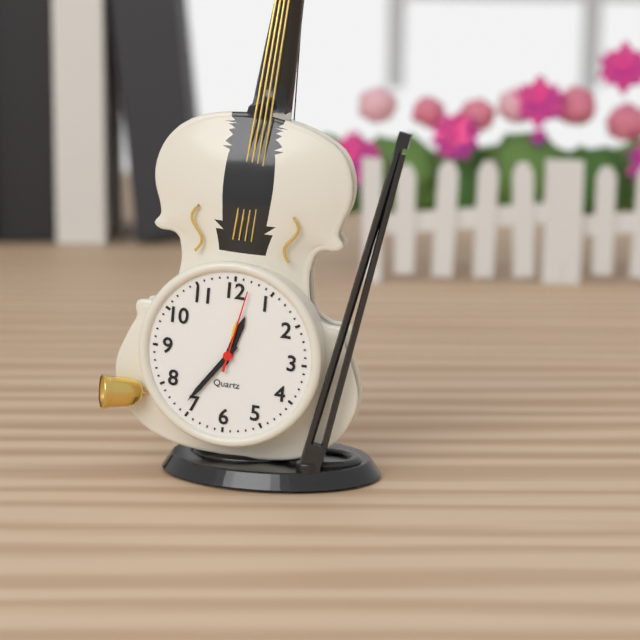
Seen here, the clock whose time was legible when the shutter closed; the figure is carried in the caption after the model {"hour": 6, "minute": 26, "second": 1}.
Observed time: {"hour": 12, "minute": 36, "second": 2}
